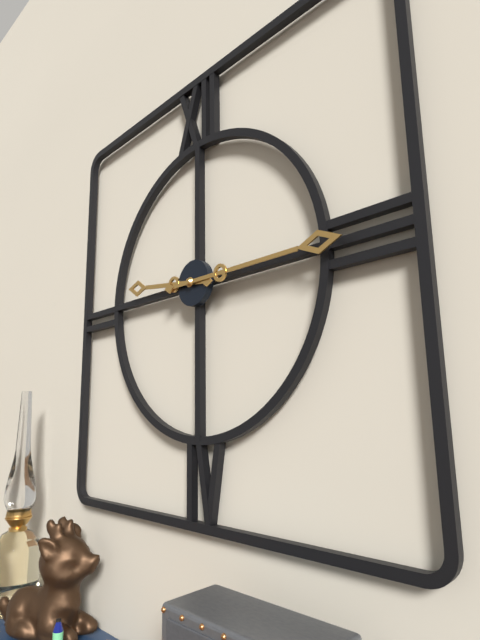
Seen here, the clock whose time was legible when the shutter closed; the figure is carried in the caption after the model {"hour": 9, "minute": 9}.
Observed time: {"hour": 9, "minute": 15}
